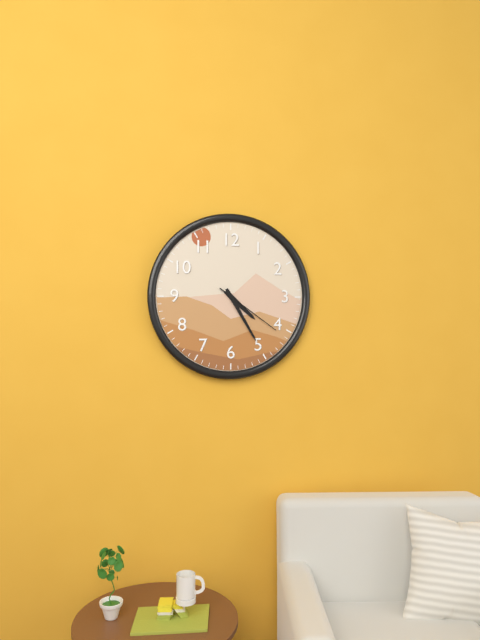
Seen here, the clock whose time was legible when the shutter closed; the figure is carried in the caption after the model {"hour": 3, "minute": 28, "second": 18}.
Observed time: {"hour": 4, "minute": 25, "second": 21}
